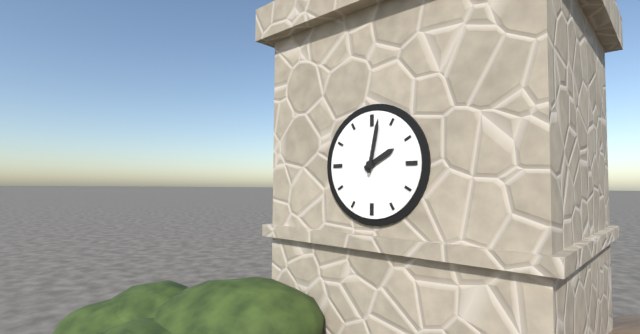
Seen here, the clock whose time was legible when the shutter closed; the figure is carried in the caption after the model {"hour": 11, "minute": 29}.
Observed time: {"hour": 2, "minute": 2}
